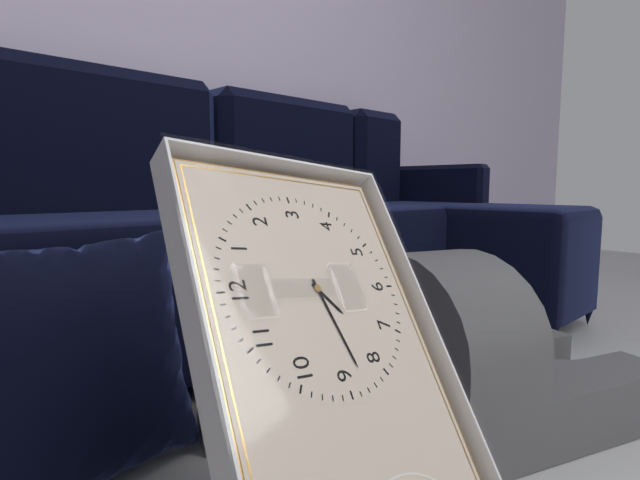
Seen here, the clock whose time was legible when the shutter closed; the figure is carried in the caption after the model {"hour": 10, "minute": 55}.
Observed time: {"hour": 7, "minute": 43}
